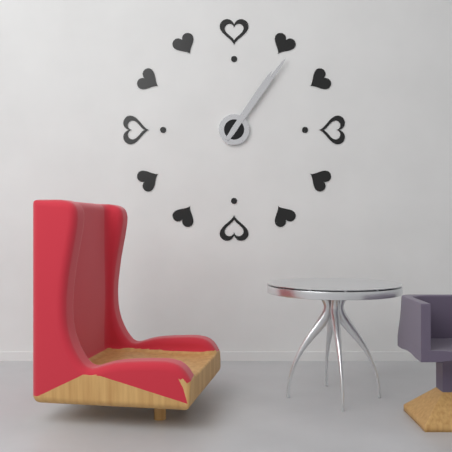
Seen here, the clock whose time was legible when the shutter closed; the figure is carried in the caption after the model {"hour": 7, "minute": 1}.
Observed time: {"hour": 1, "minute": 6}
